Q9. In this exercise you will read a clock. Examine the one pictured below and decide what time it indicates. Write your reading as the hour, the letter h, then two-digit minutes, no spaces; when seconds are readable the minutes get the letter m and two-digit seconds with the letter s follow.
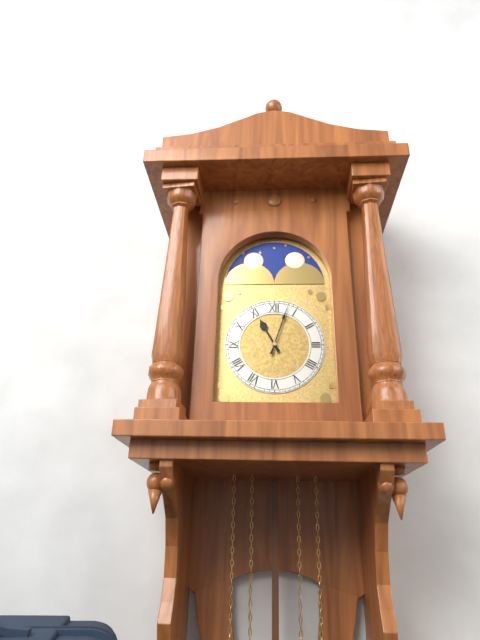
11h03
